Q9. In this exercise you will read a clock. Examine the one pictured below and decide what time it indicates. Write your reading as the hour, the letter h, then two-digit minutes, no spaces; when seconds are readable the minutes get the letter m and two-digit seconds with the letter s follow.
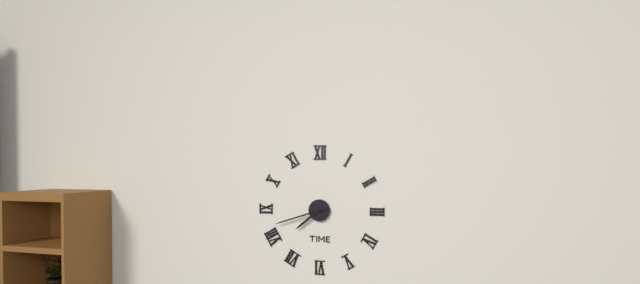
7h42
